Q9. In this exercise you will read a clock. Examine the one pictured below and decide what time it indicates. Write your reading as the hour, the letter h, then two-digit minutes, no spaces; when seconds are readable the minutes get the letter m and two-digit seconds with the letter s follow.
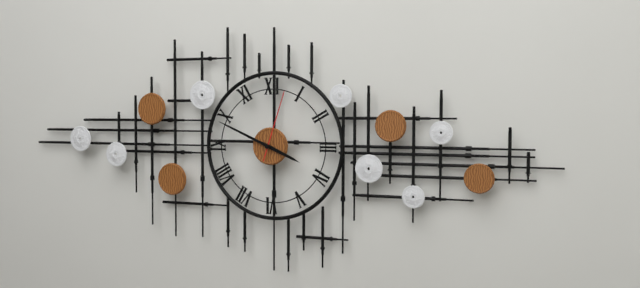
3h49m03s
